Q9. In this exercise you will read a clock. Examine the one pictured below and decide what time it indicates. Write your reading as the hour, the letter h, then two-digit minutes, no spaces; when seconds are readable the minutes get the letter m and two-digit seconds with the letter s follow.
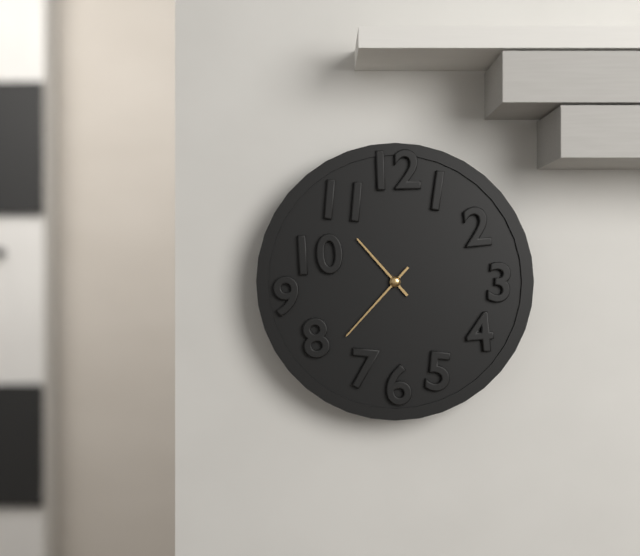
10h37
